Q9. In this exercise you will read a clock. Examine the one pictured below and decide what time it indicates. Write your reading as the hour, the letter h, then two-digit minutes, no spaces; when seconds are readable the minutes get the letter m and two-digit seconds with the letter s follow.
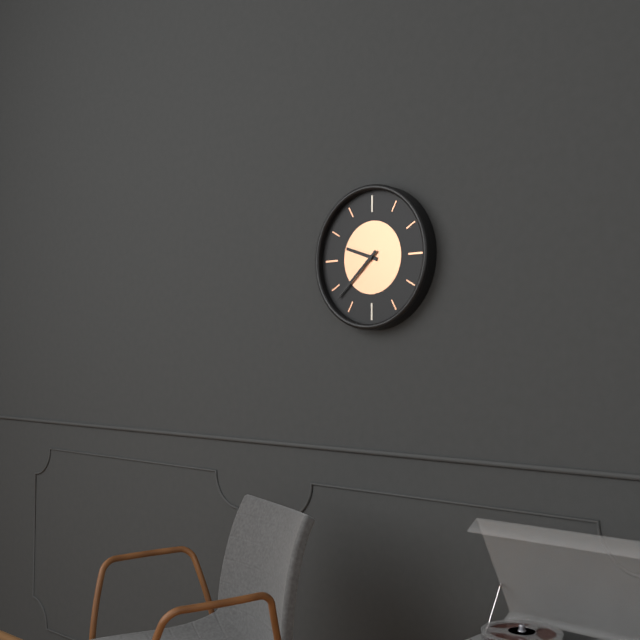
9h38
